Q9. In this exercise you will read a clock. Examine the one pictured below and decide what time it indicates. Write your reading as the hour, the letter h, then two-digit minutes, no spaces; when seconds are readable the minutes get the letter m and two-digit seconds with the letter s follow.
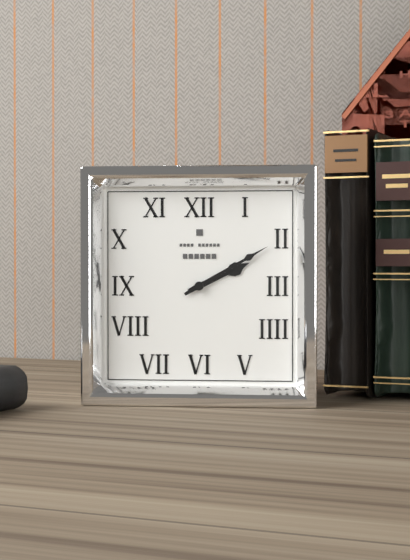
2h10
